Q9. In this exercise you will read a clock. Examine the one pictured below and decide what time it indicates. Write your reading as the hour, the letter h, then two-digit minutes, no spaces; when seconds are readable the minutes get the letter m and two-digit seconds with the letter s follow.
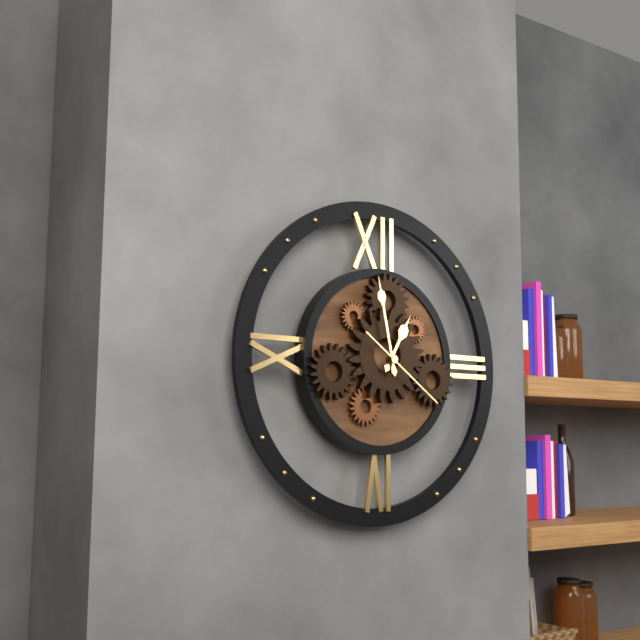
12h58m21s
